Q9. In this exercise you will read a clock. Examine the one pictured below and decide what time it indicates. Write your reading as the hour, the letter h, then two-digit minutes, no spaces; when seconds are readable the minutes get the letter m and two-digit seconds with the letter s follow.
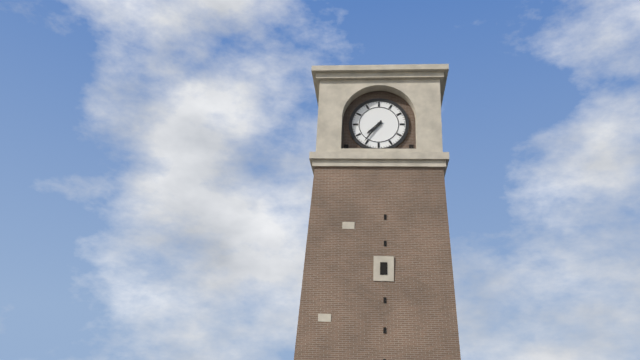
7h36
